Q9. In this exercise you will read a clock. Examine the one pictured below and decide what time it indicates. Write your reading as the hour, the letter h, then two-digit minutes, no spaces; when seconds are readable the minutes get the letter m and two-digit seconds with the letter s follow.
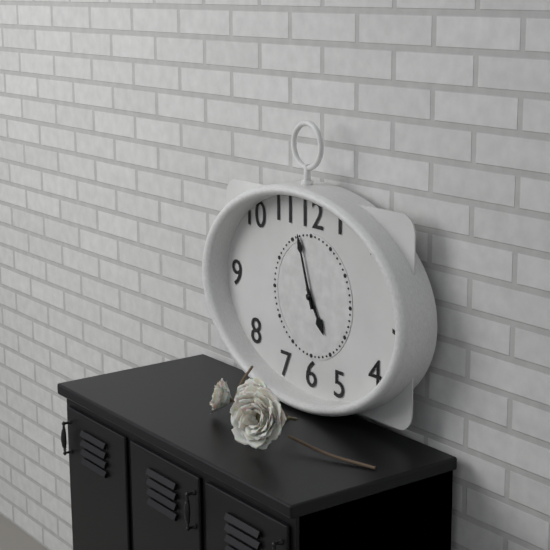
4h57
